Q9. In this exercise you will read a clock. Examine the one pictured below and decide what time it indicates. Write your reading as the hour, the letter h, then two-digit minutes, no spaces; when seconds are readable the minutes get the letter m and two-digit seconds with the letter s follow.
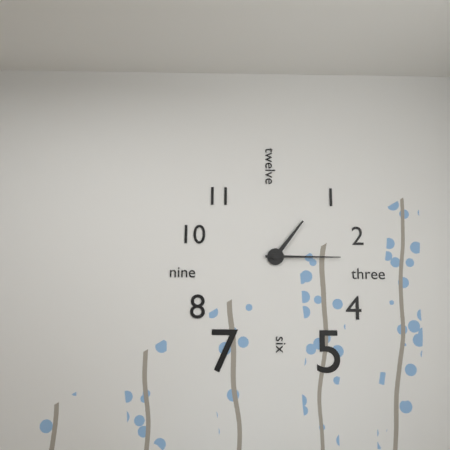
1h15
